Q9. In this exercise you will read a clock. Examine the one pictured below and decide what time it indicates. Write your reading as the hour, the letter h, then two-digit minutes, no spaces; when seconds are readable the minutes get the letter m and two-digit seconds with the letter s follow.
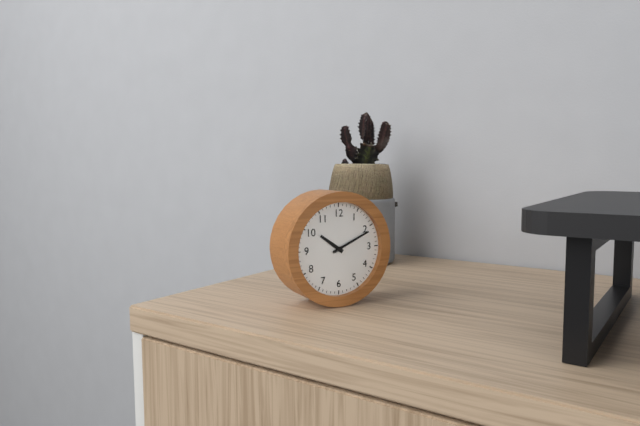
10h11
